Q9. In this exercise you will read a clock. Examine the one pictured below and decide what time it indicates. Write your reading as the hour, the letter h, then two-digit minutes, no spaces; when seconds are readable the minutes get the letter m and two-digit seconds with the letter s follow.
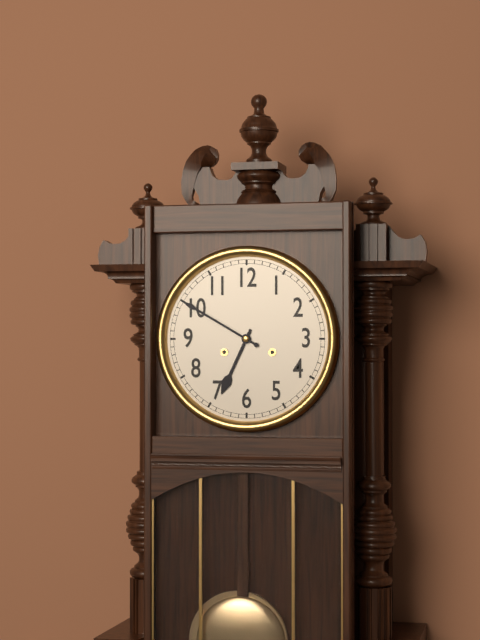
6h50
